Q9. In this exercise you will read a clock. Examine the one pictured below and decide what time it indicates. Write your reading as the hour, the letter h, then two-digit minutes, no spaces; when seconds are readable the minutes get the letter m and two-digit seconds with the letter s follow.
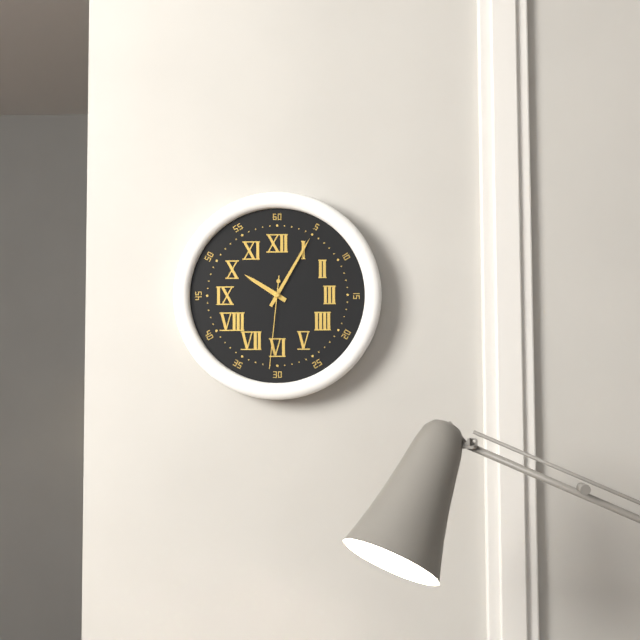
10h05m31s
